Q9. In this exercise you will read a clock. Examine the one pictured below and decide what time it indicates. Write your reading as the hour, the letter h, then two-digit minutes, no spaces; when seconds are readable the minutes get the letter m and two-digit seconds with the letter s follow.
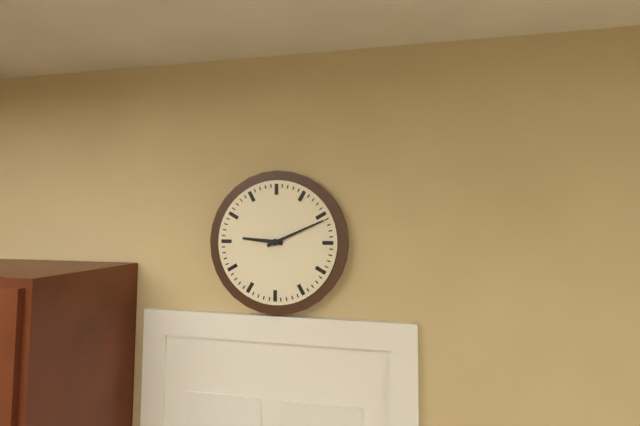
9h11
